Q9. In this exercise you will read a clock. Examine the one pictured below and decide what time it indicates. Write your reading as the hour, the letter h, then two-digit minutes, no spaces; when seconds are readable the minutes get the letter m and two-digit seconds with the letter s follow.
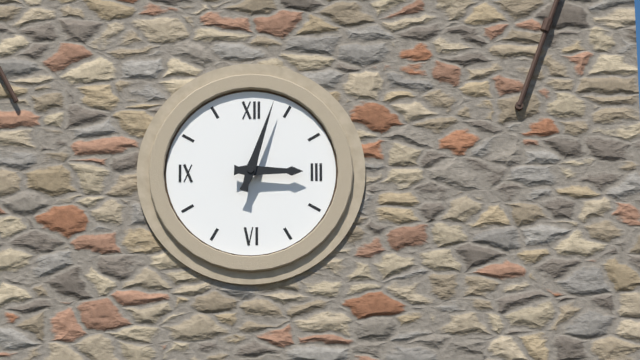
3h03
